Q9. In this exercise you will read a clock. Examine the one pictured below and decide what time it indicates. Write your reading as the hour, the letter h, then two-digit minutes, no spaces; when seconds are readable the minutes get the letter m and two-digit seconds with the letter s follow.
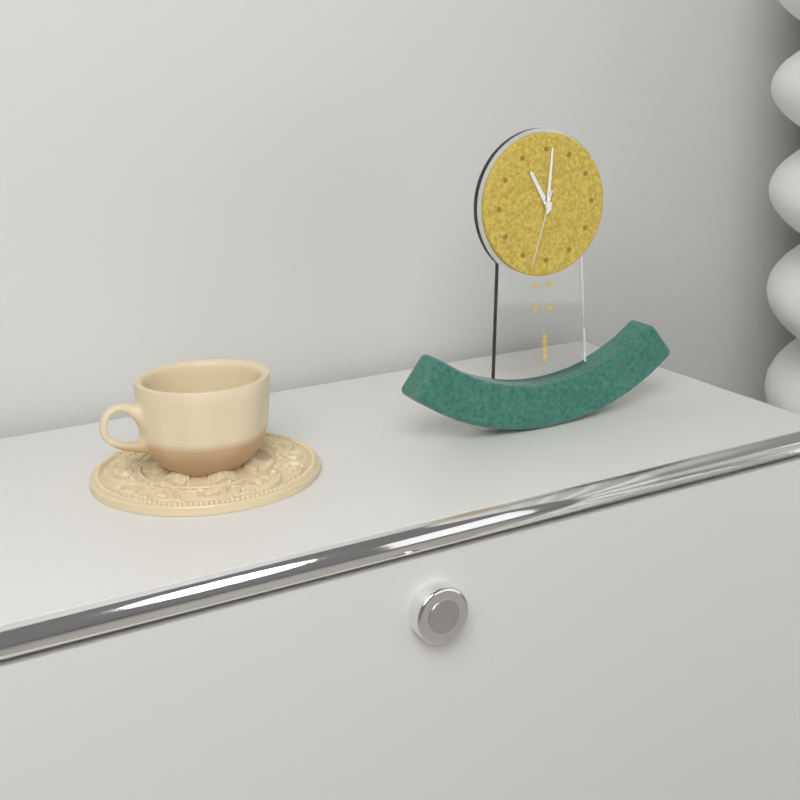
11h01m33s
